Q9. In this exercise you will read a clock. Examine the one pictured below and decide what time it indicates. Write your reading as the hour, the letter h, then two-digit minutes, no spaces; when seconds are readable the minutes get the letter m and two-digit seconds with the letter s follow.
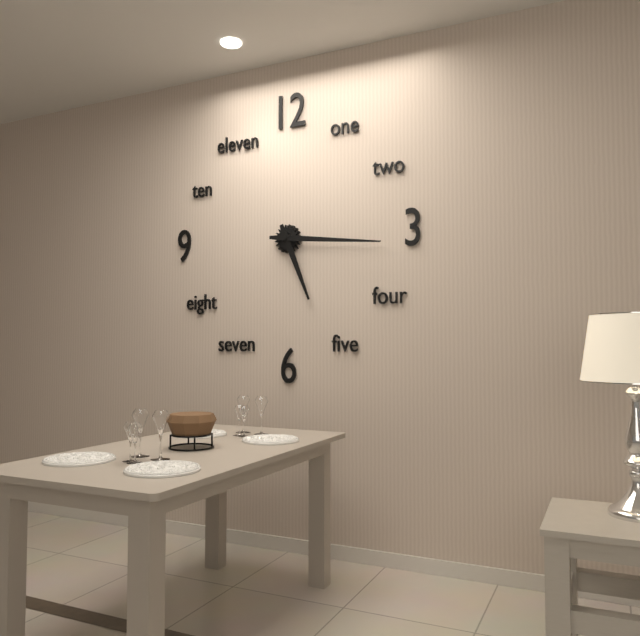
5h16
